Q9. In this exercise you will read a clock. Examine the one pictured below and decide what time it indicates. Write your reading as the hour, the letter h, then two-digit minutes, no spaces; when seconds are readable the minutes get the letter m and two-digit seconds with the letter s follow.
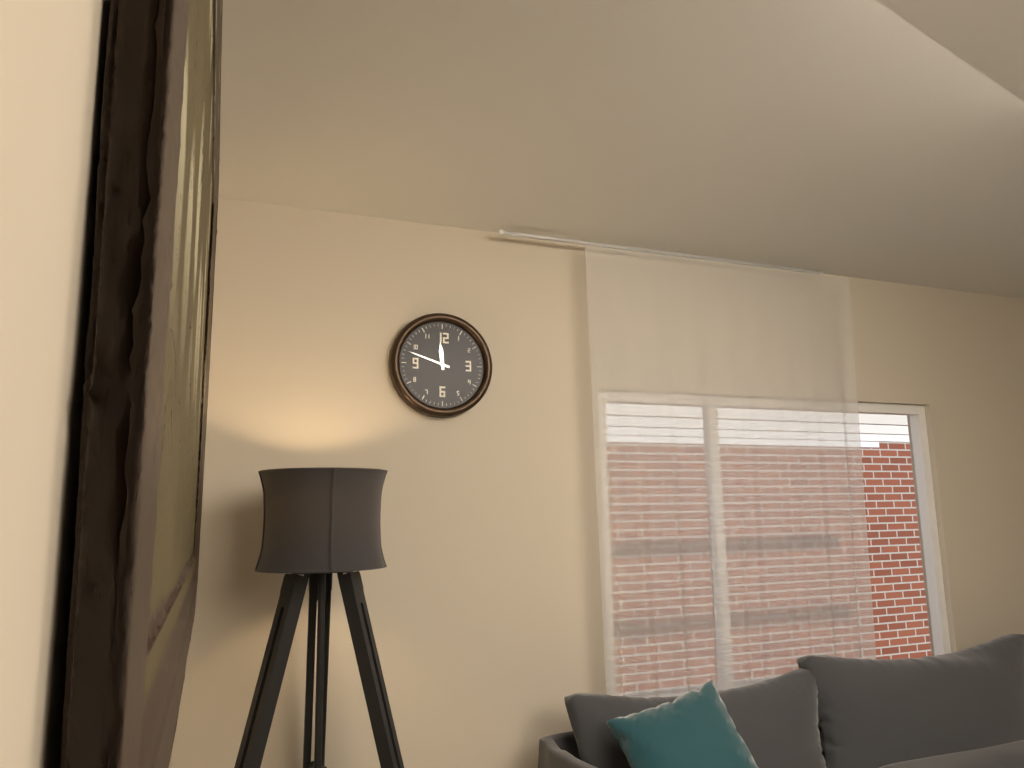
11h48
